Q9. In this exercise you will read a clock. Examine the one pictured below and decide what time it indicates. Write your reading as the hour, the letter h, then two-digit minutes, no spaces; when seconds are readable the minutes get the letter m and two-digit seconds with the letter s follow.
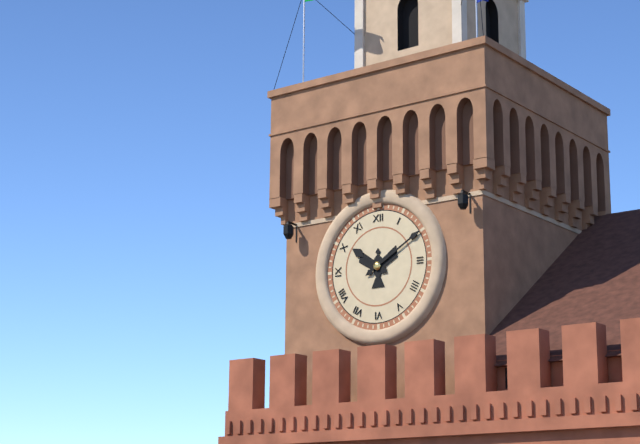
10h10
